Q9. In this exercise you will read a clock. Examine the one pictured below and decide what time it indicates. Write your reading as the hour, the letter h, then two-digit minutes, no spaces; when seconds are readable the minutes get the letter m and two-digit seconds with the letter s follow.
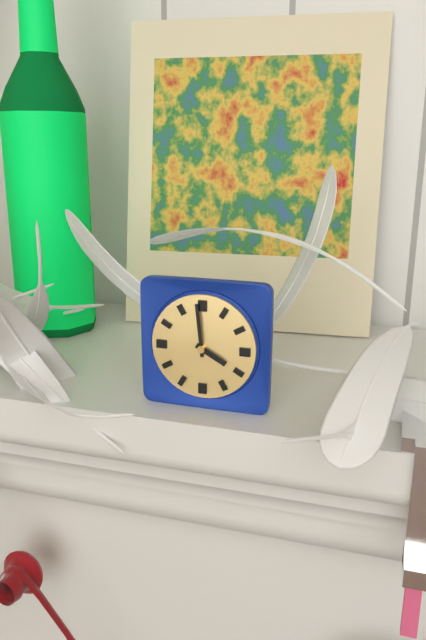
3h59
